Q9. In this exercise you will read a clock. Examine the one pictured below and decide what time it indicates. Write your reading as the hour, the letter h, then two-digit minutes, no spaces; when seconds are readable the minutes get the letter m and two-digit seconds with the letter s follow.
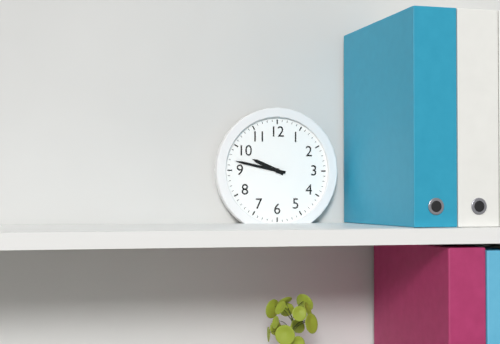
9h47
